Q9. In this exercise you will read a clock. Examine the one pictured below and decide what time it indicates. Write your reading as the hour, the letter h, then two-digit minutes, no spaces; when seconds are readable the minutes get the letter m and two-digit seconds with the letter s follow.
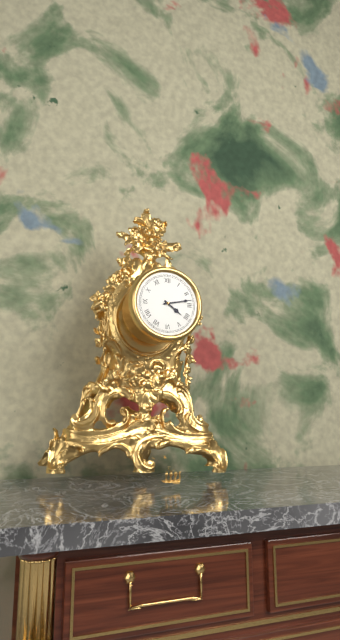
4h13
